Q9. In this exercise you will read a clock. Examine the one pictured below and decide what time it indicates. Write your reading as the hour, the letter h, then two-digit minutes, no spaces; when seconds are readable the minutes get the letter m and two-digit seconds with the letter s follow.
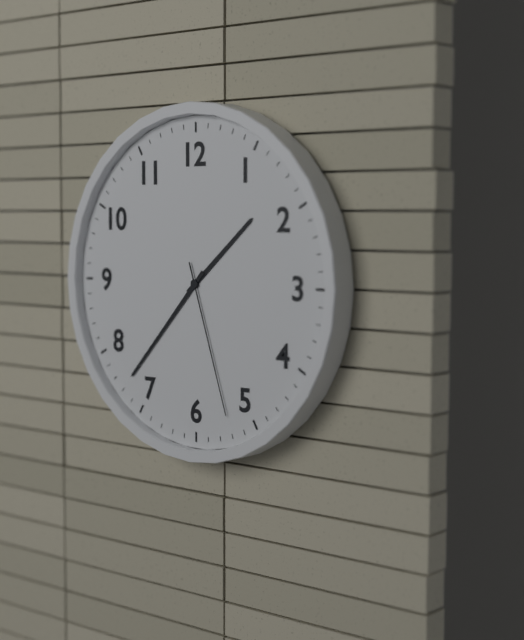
1h37m27s
